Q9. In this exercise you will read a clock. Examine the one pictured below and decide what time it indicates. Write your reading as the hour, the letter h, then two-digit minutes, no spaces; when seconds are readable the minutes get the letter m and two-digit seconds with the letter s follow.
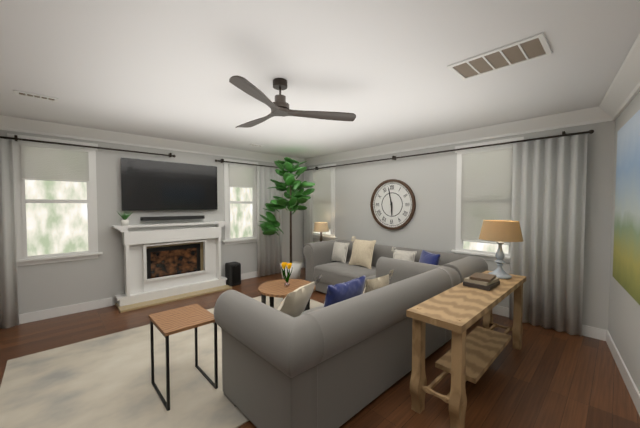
5h58
